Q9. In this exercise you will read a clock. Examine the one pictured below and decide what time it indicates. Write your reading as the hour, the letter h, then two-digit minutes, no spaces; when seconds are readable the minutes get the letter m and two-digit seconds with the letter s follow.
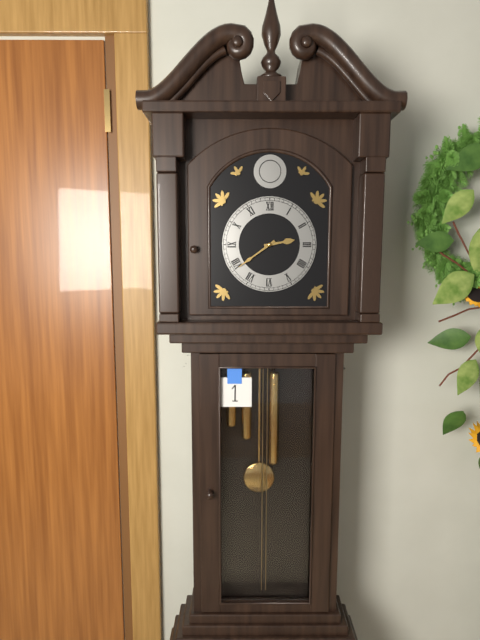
2h39
